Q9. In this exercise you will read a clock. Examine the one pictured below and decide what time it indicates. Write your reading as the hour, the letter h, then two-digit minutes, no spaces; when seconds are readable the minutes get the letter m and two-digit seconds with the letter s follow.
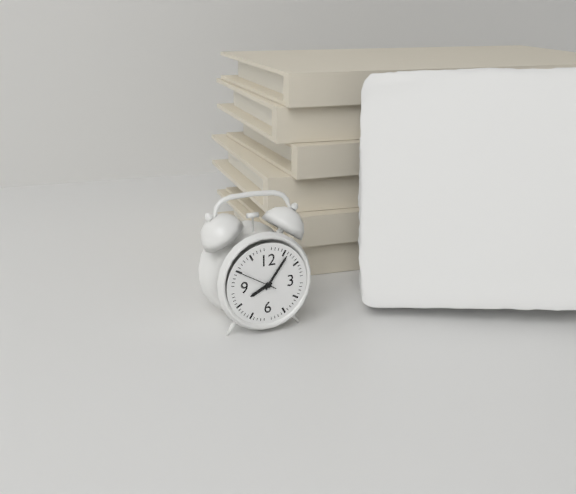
8h06
